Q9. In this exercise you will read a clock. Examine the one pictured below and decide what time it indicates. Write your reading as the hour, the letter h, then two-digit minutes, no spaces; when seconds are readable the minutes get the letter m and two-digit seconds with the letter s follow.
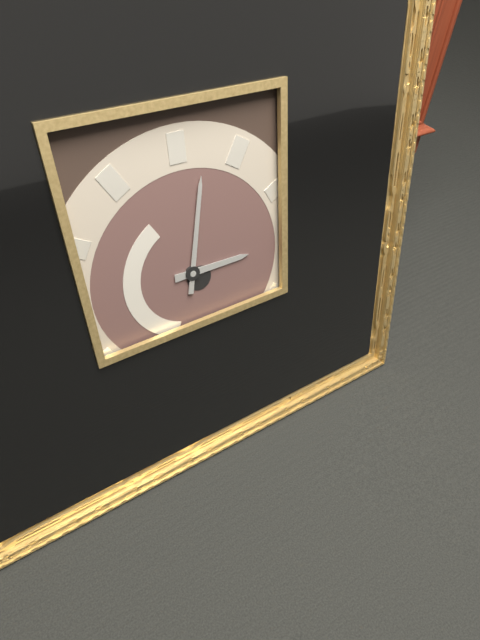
3h02
